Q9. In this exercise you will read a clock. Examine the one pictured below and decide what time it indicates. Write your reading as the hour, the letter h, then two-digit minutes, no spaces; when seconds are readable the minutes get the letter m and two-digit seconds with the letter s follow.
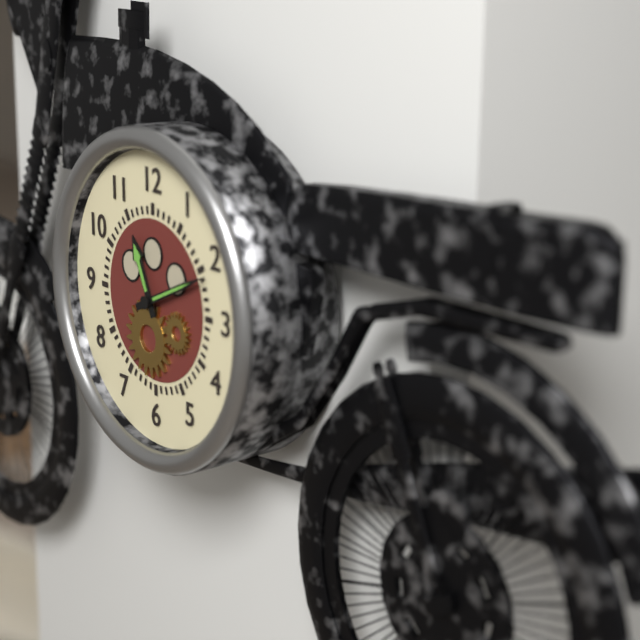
11h11
